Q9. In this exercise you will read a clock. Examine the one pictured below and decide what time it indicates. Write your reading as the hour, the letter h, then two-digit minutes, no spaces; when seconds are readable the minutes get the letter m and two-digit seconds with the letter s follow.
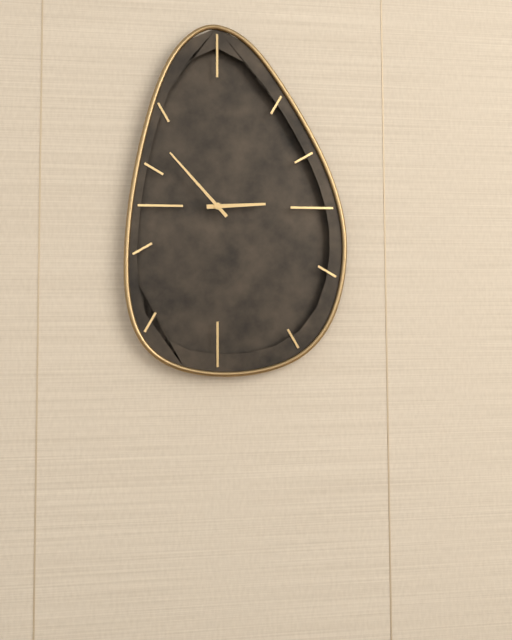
2h53
